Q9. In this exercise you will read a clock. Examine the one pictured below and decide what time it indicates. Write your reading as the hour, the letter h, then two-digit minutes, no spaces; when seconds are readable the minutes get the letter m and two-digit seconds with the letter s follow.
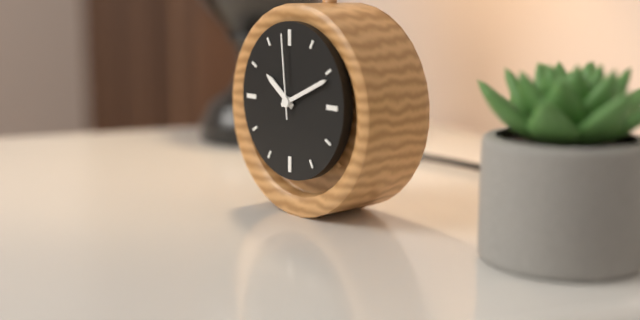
10h11m59s
